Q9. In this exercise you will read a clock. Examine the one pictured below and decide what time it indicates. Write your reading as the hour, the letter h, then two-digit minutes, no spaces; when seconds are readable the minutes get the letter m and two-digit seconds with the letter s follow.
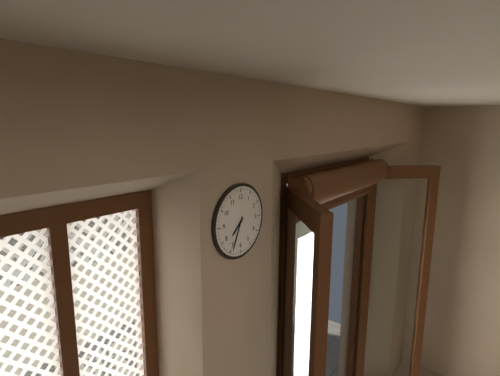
7h34
